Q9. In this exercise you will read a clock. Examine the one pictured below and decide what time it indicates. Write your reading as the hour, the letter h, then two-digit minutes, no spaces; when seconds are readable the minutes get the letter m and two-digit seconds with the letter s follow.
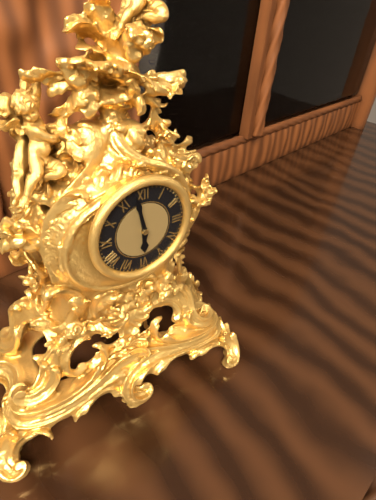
5h58
